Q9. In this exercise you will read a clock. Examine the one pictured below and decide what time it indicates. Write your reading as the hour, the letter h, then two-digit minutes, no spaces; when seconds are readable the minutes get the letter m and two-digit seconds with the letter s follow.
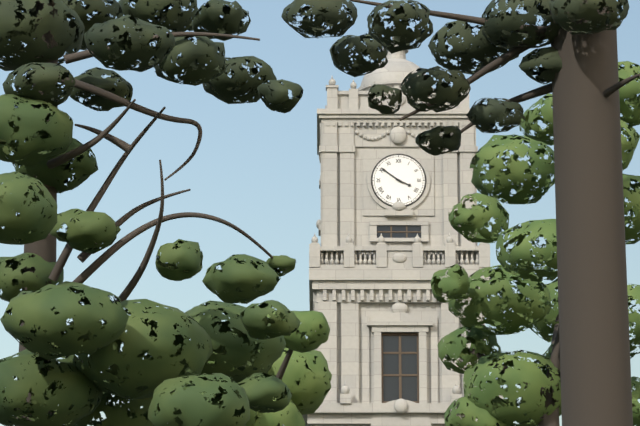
3h51
